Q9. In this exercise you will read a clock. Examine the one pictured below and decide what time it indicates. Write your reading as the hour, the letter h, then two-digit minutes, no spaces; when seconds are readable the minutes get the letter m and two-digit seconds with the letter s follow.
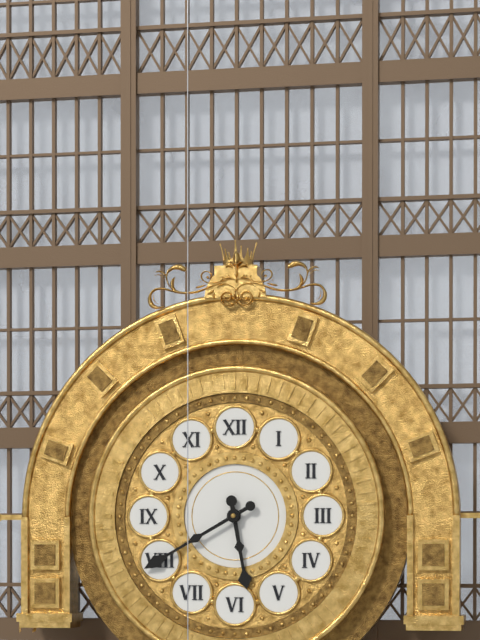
5h40
